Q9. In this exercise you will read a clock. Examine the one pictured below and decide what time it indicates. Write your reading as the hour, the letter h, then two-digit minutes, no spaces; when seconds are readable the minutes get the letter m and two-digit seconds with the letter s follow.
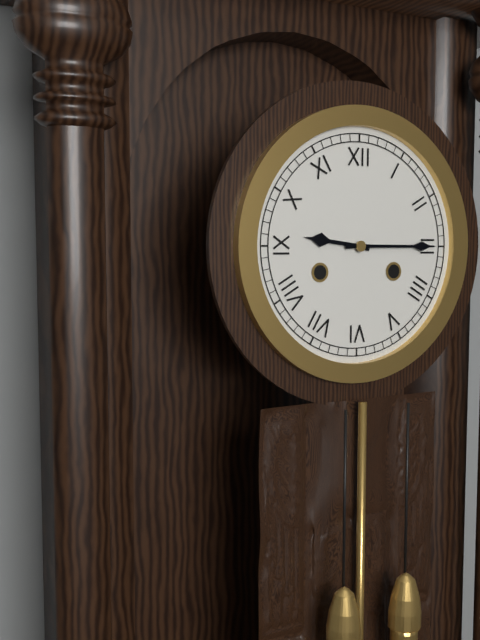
9h15
